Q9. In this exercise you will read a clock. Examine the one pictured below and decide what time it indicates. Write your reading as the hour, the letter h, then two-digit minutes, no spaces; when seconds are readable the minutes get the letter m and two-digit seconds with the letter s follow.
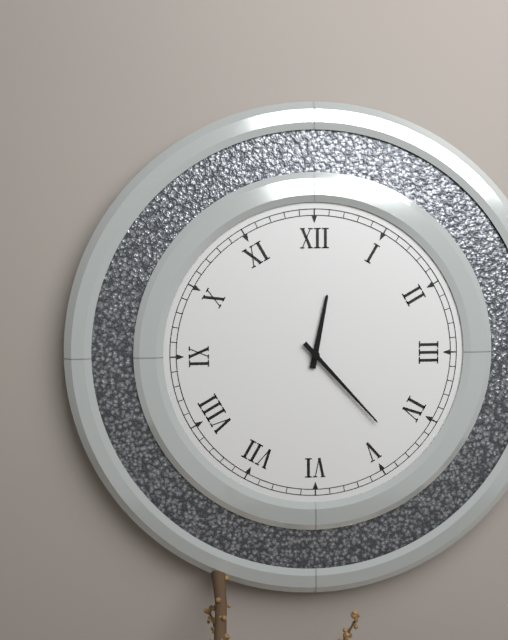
12h23
